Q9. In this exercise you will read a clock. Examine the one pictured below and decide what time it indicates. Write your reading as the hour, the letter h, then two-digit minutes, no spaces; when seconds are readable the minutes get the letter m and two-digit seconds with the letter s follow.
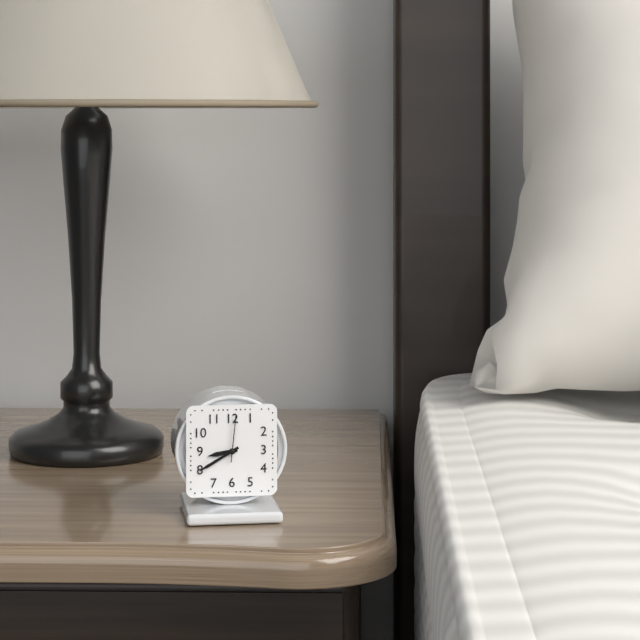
8h40
